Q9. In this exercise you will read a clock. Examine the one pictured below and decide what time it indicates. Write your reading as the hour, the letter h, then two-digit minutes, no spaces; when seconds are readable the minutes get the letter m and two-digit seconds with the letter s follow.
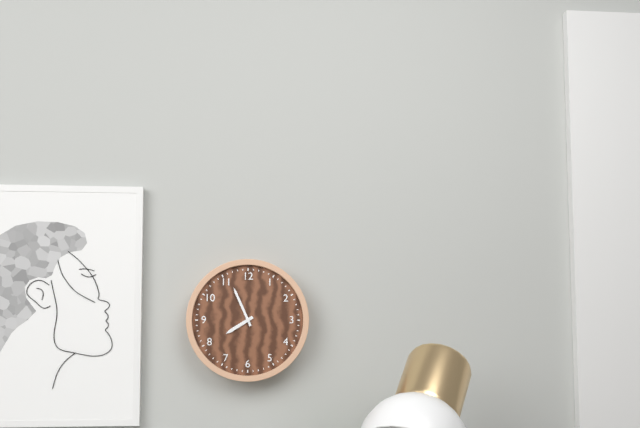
7h56
